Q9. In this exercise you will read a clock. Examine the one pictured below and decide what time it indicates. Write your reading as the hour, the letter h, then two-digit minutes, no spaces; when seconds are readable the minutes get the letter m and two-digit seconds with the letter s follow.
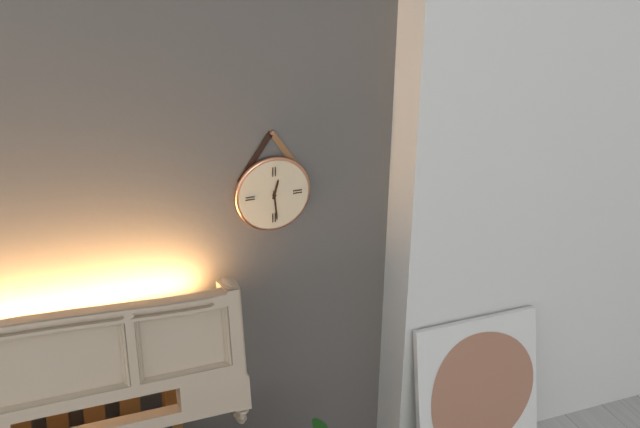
12h29
